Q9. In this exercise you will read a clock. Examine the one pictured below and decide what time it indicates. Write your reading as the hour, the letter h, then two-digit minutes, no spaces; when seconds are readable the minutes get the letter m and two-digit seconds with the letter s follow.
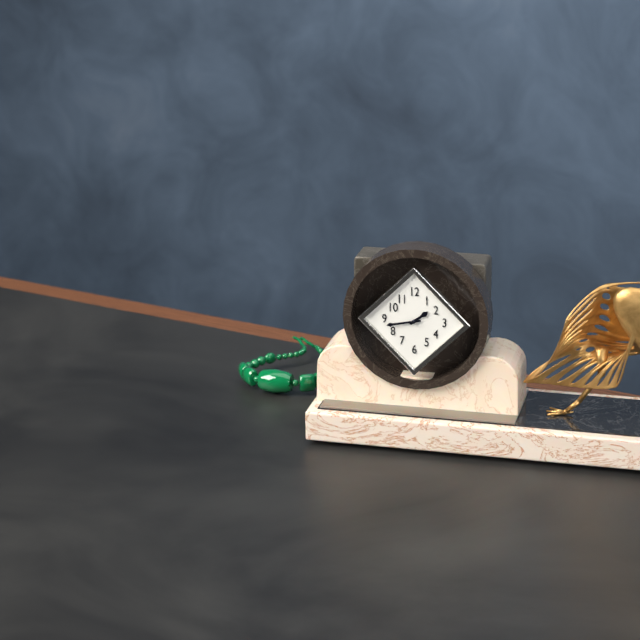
1h43
